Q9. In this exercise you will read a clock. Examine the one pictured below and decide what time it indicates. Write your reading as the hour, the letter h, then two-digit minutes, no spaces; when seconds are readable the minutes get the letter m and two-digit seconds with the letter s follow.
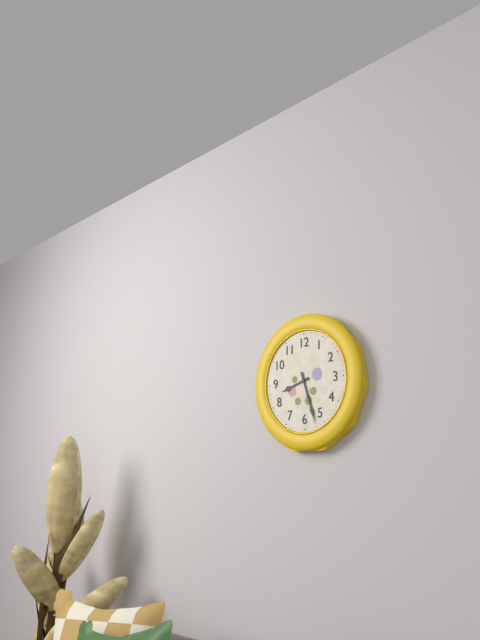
8h27
